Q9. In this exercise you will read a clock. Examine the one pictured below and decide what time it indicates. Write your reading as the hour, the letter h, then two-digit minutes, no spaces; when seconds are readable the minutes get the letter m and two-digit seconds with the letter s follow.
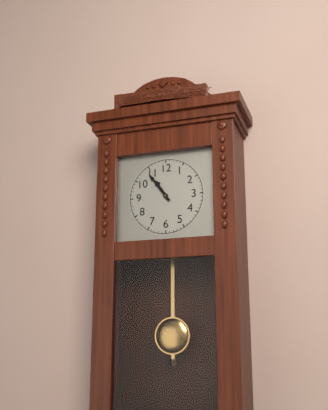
10h54
